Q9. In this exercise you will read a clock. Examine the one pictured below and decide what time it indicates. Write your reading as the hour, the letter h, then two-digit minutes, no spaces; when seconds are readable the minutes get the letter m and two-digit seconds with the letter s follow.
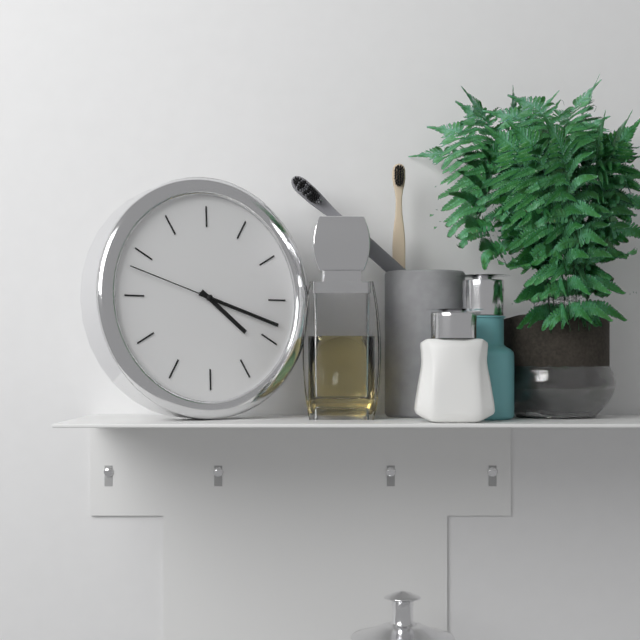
4h18m48s
